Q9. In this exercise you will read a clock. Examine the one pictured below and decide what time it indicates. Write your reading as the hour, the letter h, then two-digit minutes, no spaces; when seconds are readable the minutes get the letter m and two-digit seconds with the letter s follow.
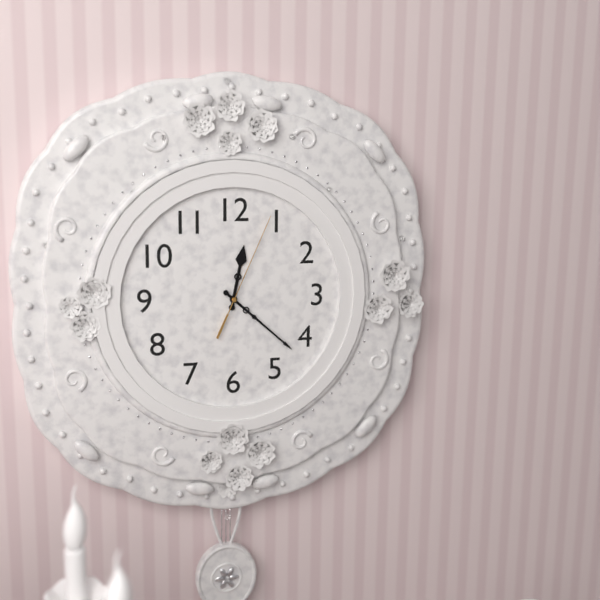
12h22m04s
